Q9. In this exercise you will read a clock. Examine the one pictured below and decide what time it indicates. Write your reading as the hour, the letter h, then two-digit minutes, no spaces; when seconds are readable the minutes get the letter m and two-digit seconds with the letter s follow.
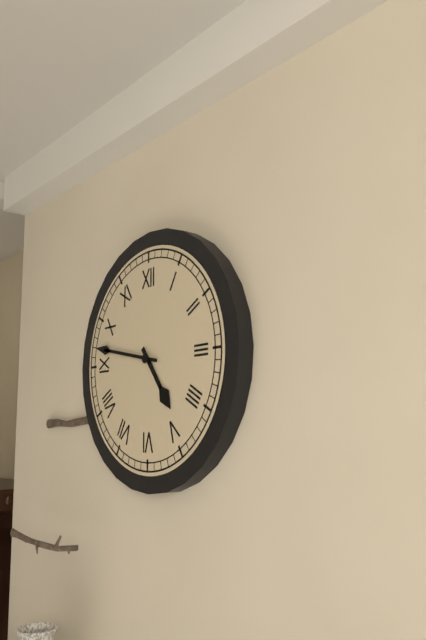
4h47
